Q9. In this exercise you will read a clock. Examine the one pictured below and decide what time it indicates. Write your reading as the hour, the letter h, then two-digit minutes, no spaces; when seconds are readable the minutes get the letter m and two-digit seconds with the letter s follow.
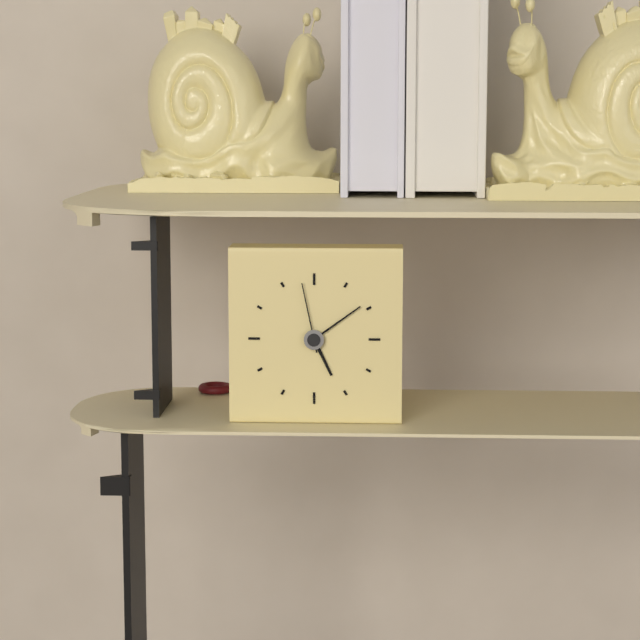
5h09m58s
